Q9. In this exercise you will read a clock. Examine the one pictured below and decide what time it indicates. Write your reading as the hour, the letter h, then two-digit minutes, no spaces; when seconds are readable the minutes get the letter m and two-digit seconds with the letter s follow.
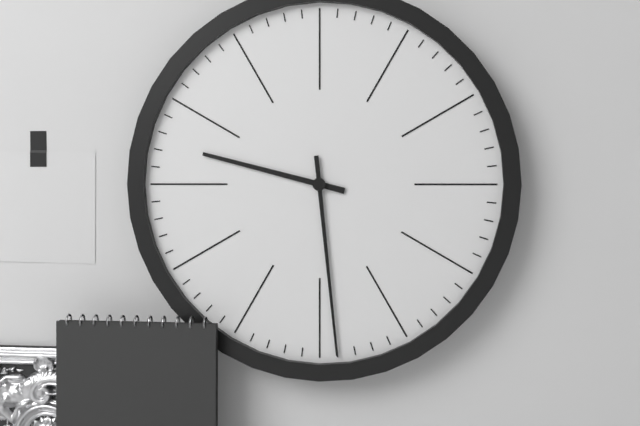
9h29
